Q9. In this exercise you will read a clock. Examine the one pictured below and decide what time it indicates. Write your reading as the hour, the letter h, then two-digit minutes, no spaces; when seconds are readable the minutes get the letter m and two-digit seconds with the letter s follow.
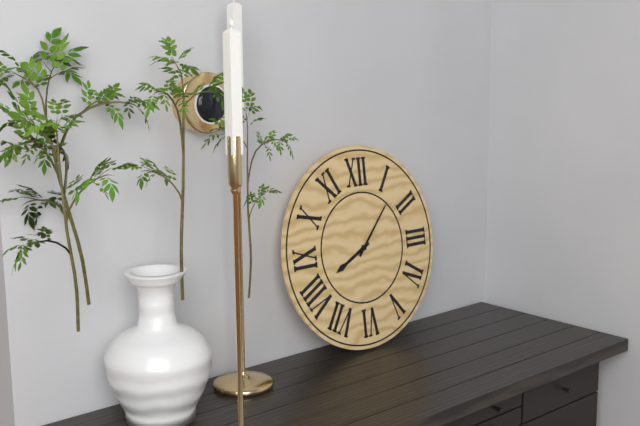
8h07
